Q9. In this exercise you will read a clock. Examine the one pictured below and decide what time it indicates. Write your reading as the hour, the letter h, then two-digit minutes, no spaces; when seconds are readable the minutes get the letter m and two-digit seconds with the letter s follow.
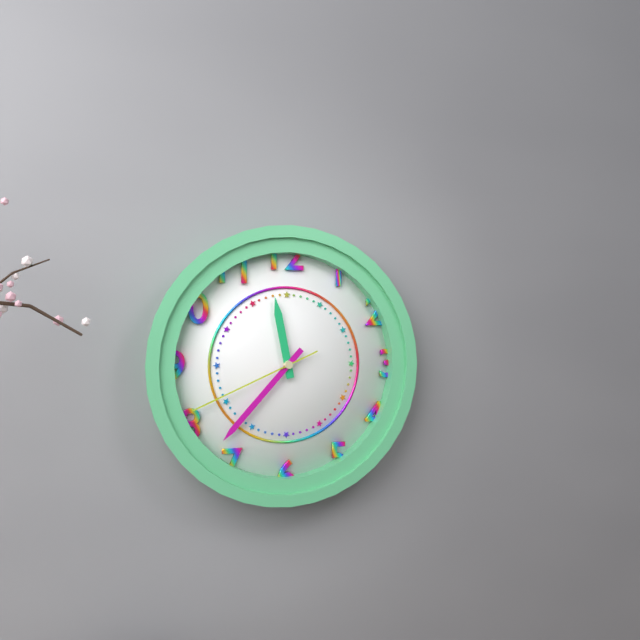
11h37m41s
